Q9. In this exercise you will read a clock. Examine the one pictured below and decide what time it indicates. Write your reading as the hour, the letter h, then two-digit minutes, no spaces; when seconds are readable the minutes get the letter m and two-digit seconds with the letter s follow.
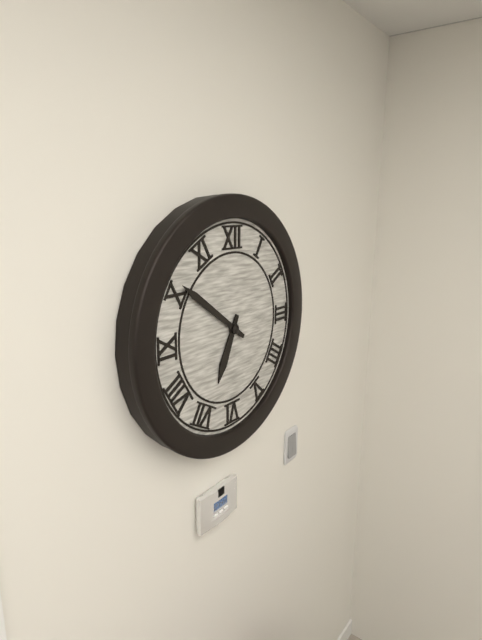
6h51
